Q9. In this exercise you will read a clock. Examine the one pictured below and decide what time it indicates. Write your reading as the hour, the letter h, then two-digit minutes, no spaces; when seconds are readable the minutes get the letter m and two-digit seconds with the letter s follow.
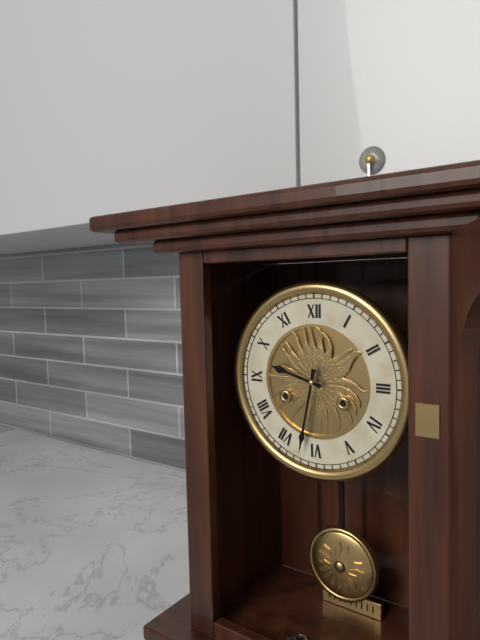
9h32
